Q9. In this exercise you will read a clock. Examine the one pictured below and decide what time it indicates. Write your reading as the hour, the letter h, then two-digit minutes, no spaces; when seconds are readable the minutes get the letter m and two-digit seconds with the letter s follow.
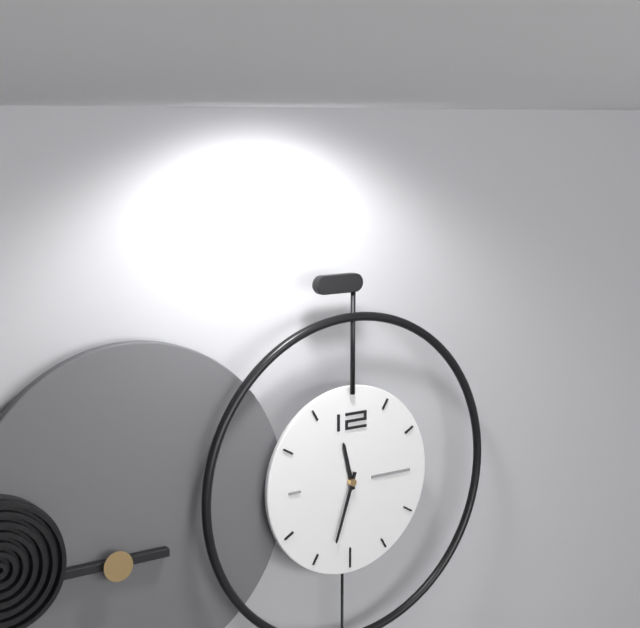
11h33
